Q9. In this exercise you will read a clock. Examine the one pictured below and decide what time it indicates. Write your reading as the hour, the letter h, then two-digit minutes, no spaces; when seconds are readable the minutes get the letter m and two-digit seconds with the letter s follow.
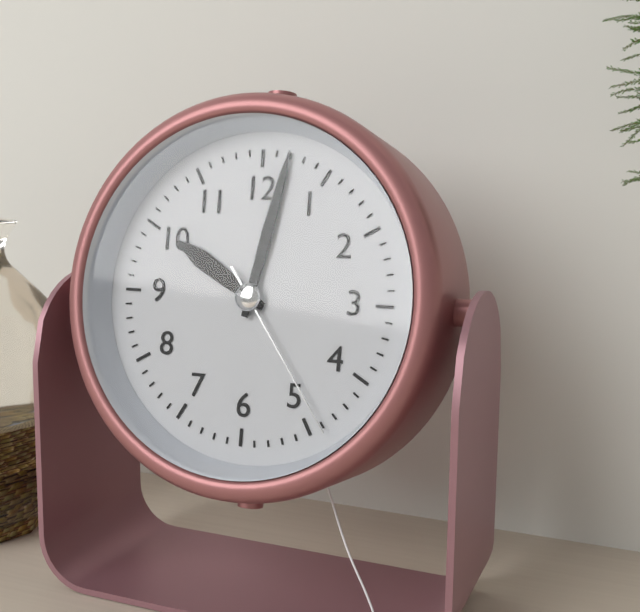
10h02m24s
